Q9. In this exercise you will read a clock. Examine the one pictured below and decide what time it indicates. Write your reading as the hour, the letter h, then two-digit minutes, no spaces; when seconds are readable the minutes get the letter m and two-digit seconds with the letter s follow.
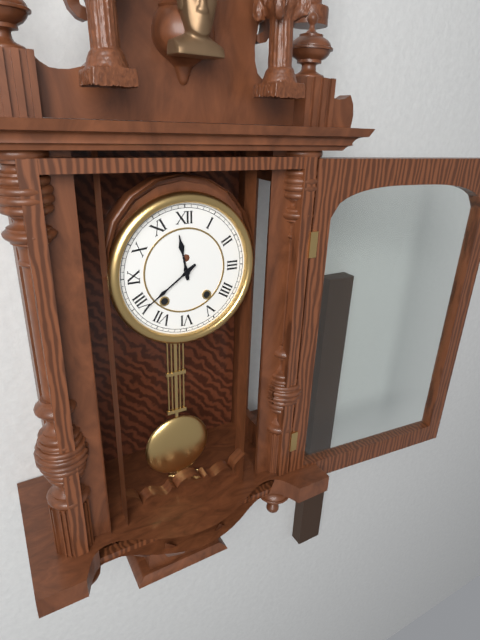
11h39
